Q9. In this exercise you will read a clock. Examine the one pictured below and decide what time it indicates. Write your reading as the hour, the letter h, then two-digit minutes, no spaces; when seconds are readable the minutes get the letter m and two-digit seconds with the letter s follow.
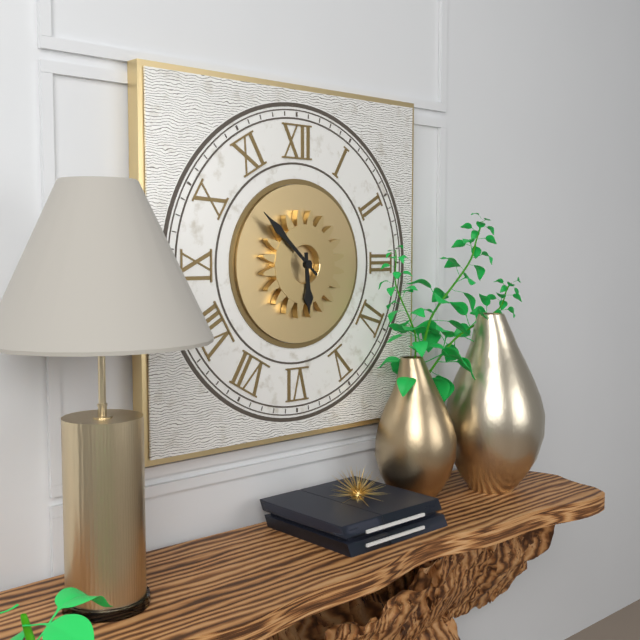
5h52
